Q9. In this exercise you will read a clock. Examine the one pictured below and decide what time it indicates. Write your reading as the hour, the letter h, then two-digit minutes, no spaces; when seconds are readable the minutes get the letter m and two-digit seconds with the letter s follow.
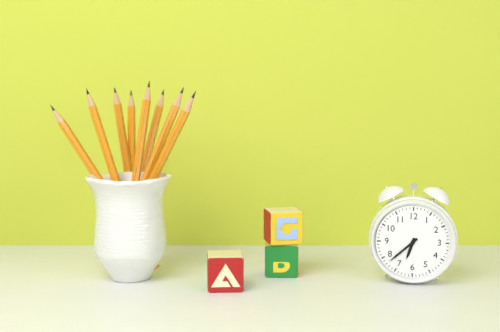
6h38
